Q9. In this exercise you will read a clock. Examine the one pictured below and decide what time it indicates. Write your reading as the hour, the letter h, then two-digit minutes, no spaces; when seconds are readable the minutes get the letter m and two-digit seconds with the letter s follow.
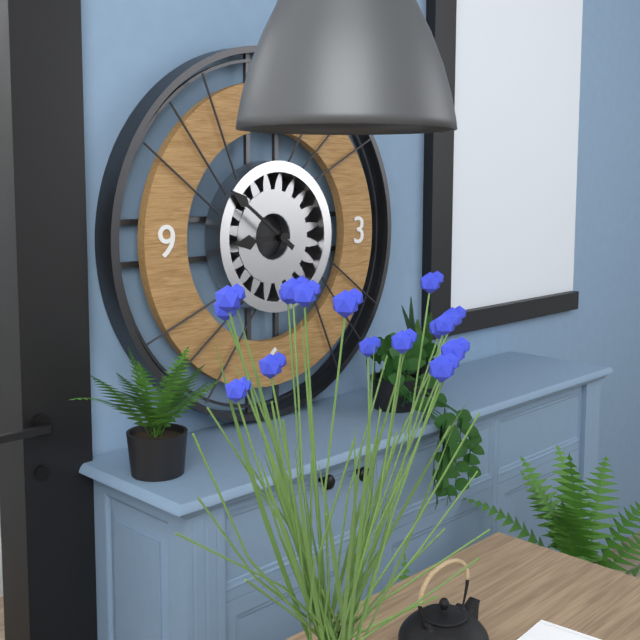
8h51
